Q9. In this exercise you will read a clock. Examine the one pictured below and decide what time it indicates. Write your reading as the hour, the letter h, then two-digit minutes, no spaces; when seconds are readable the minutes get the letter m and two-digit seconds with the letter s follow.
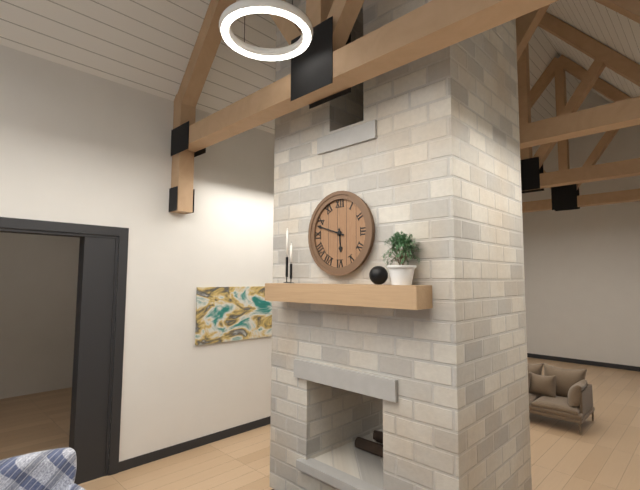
5h48
